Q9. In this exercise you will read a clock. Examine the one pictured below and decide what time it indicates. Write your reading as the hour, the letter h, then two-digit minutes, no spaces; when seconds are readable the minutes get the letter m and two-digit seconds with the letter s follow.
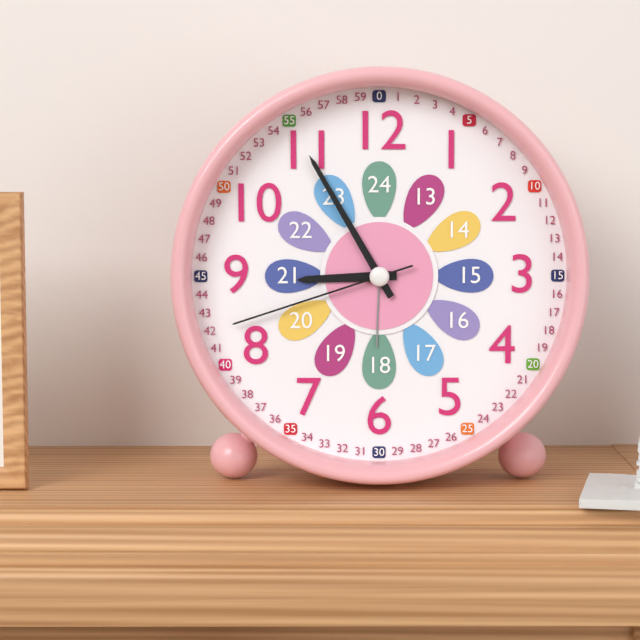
8h55m42s
